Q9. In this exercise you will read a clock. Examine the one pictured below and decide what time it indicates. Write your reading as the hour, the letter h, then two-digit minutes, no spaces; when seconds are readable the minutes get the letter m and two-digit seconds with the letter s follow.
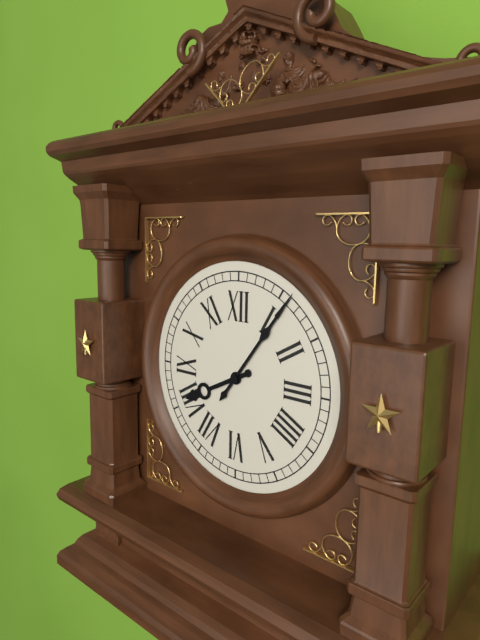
8h06
